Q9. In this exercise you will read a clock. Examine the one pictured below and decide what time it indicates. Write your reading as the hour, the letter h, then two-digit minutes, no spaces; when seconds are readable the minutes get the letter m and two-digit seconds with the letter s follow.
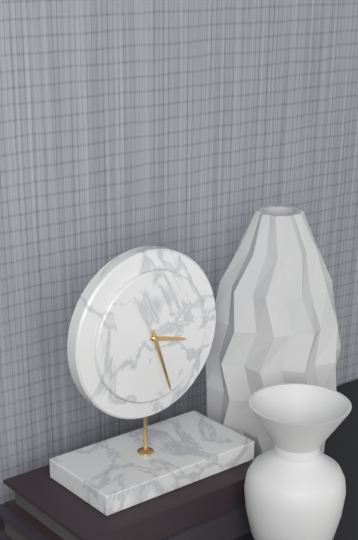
3h27
